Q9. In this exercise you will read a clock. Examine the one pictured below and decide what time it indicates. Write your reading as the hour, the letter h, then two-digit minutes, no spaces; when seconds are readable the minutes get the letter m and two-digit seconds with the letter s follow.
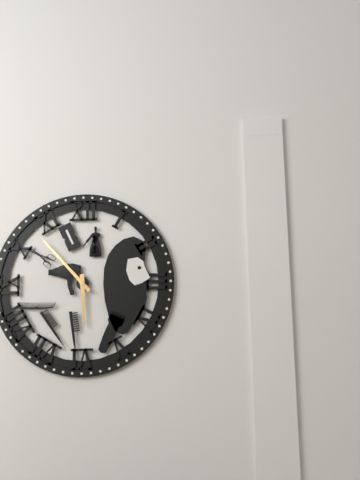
5h53
